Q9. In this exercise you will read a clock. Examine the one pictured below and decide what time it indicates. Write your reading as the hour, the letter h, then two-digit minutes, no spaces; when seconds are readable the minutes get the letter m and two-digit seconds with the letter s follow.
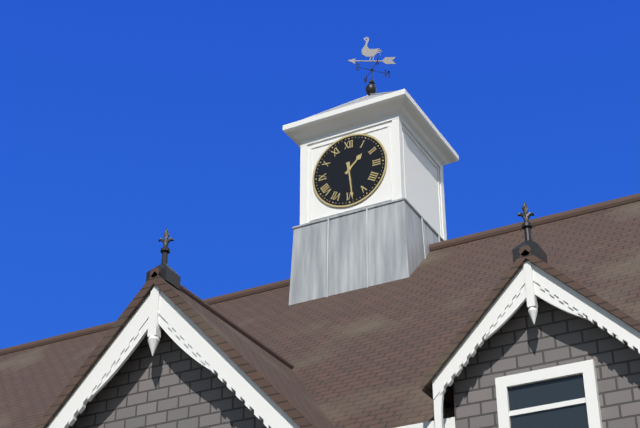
1h29
